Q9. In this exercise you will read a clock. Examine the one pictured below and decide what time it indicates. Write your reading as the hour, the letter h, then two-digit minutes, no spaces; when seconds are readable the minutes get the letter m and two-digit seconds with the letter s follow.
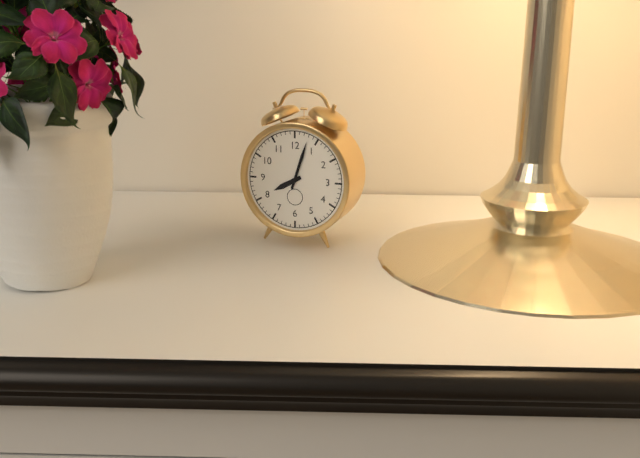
8h03
